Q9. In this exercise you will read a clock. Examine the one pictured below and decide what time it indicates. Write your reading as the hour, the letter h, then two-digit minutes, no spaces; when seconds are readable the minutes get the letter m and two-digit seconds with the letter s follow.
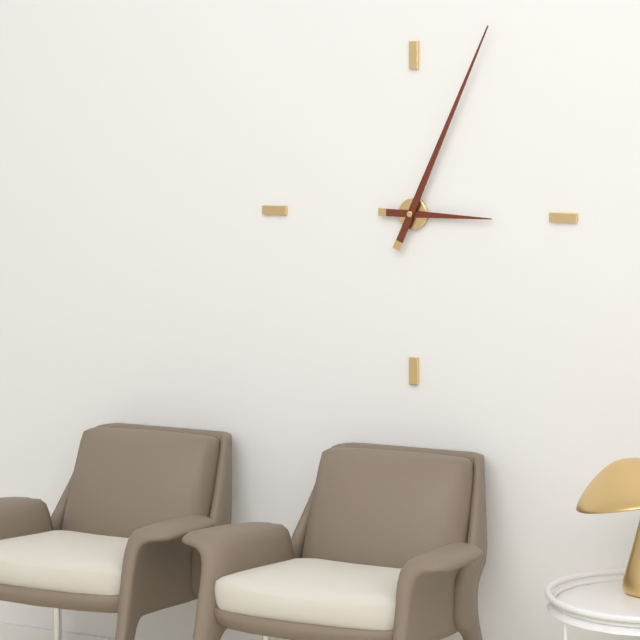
3h04
